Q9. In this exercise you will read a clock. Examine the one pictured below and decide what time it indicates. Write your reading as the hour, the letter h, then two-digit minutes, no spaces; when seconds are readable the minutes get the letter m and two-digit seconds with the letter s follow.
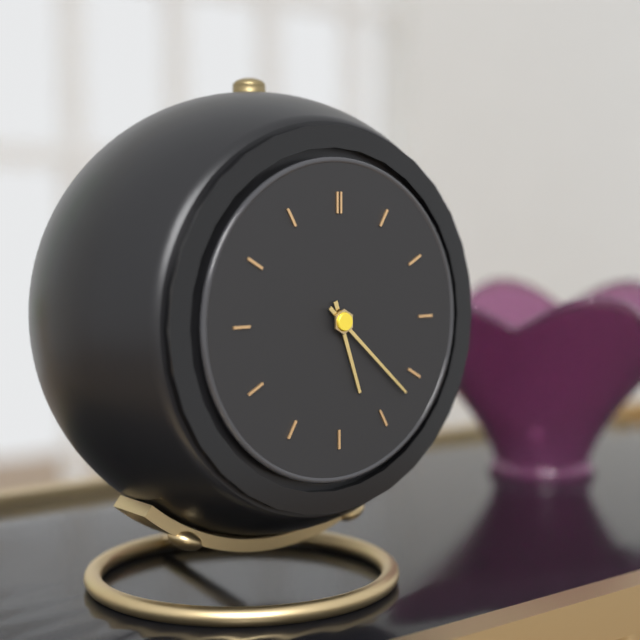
5h22
